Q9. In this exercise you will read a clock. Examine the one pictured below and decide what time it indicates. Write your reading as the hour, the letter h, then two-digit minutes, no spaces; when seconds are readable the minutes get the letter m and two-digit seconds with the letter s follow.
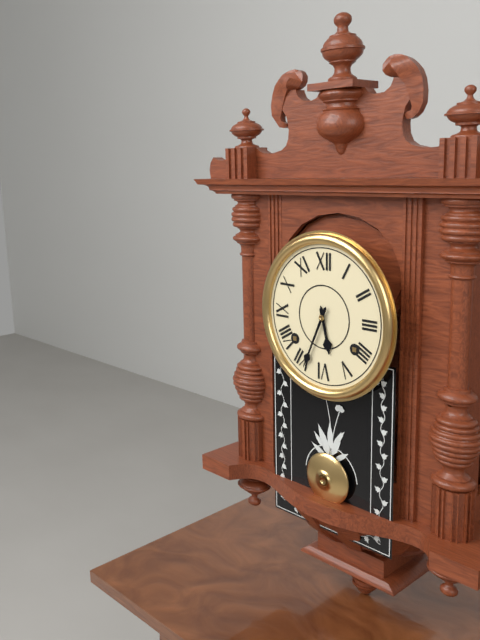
5h34
